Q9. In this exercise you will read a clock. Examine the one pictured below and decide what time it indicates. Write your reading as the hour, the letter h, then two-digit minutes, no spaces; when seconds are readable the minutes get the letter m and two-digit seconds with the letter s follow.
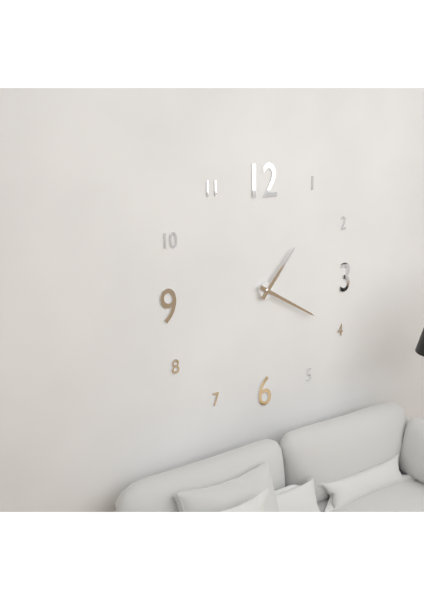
1h20
